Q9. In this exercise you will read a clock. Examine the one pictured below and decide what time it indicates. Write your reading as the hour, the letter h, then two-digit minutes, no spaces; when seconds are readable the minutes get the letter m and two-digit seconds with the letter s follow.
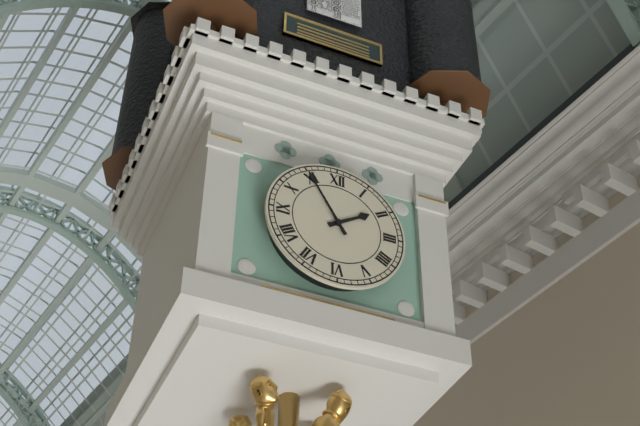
1h55
